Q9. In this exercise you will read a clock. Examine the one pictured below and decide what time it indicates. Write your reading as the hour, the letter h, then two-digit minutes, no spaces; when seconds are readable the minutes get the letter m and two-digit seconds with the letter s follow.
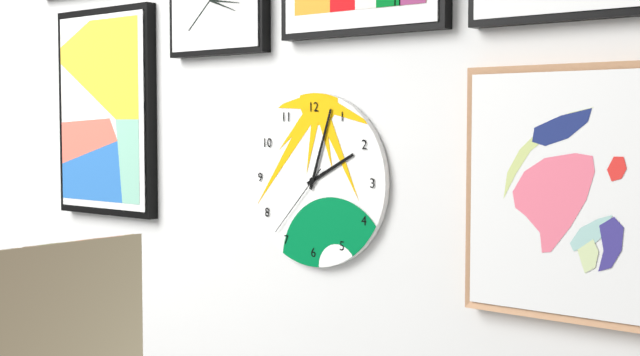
2h03m37s
